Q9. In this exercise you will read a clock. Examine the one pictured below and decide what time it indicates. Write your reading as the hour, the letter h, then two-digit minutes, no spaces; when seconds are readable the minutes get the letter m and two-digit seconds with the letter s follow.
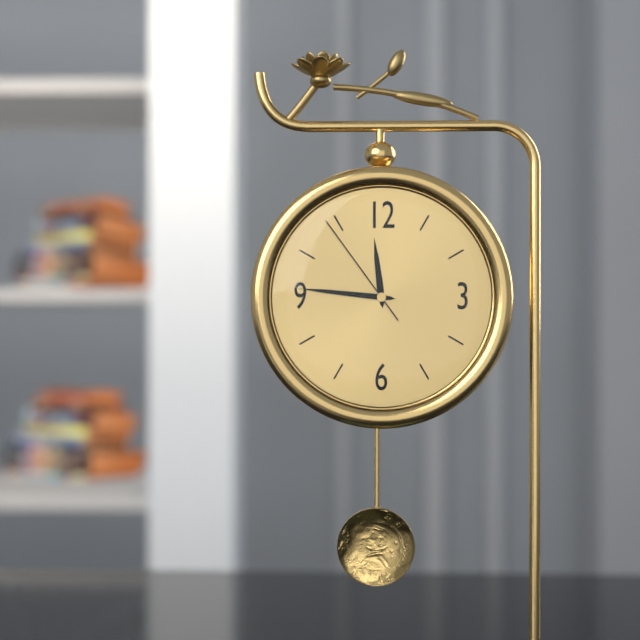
11h46m54s
